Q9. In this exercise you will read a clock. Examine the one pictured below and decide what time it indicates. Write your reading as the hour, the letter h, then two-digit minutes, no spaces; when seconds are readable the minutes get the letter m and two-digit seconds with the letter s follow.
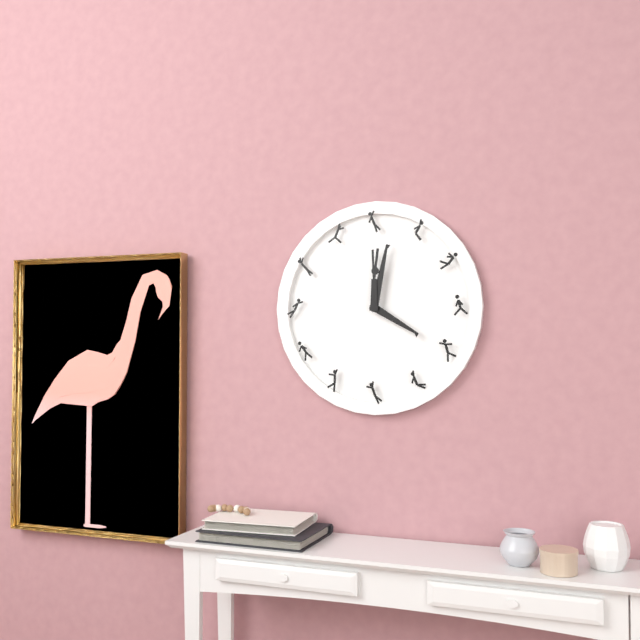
4h02
